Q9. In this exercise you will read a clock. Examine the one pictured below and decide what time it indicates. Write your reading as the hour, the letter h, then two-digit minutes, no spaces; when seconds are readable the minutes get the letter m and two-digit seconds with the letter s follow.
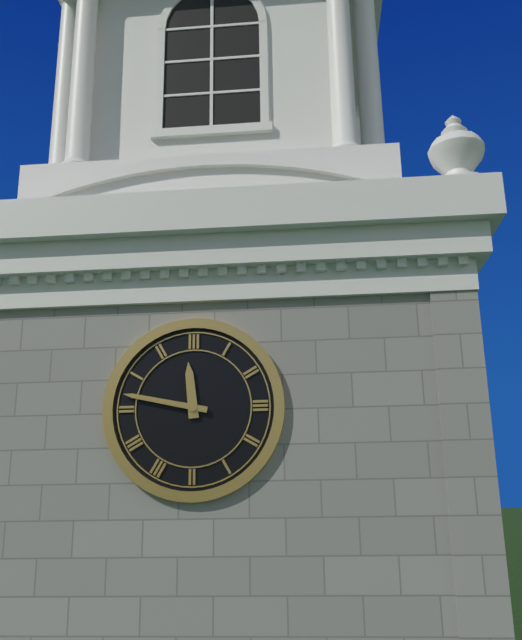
11h47
